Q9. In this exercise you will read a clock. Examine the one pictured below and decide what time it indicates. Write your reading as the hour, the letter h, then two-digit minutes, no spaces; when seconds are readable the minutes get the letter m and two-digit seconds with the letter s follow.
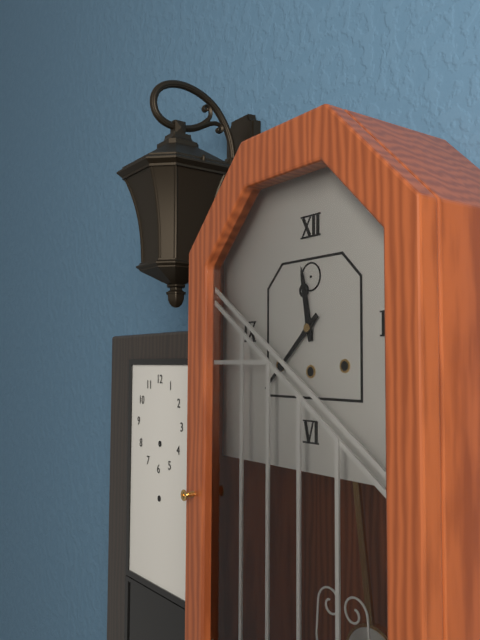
11h38
